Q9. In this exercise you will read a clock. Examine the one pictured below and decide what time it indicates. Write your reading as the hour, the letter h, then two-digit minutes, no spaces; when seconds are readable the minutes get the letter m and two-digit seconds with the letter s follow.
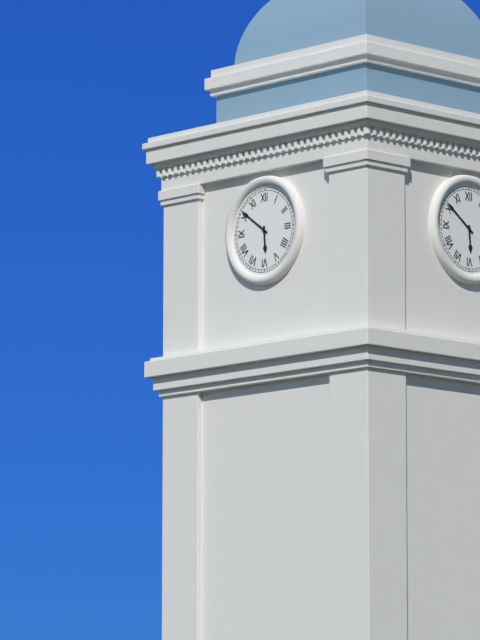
5h51
